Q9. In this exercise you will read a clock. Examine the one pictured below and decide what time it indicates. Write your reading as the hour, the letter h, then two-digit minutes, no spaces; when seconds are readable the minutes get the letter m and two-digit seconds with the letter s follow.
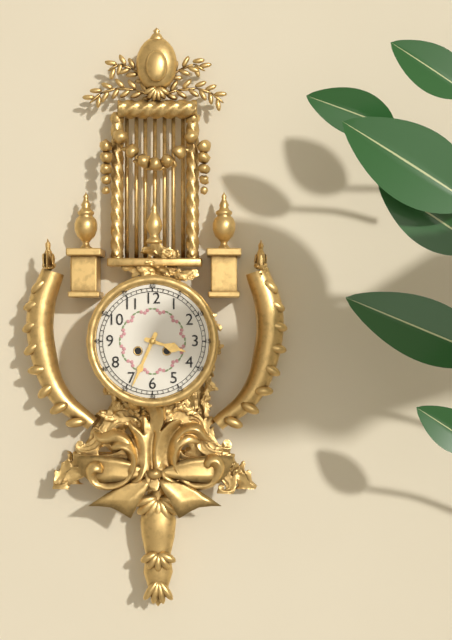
3h34
